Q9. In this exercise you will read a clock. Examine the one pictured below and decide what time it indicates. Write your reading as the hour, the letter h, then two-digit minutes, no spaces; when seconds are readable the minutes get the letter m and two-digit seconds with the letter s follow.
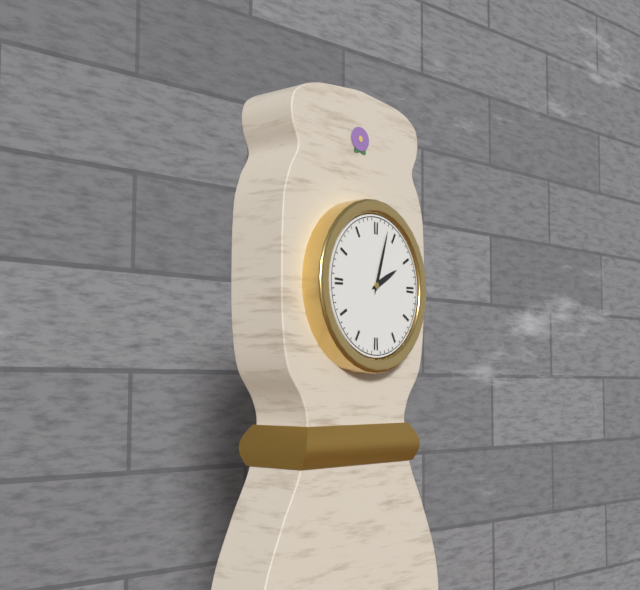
2h03
